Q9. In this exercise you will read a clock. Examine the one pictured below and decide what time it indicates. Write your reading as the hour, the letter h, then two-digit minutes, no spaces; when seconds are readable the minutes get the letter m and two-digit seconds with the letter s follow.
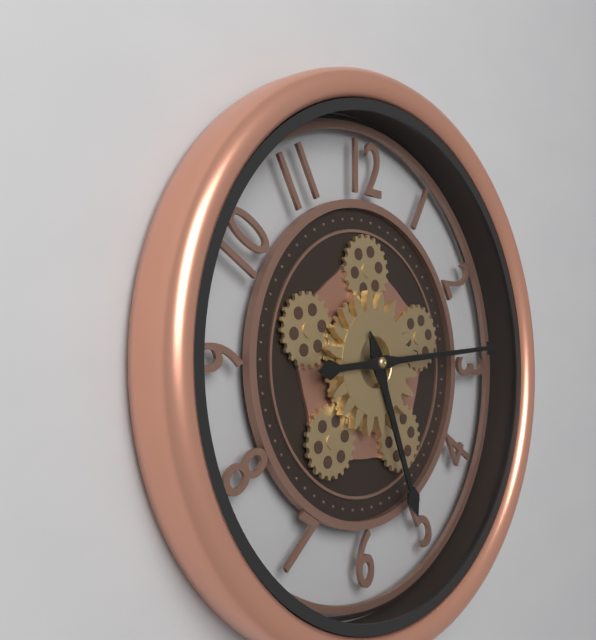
5h14
